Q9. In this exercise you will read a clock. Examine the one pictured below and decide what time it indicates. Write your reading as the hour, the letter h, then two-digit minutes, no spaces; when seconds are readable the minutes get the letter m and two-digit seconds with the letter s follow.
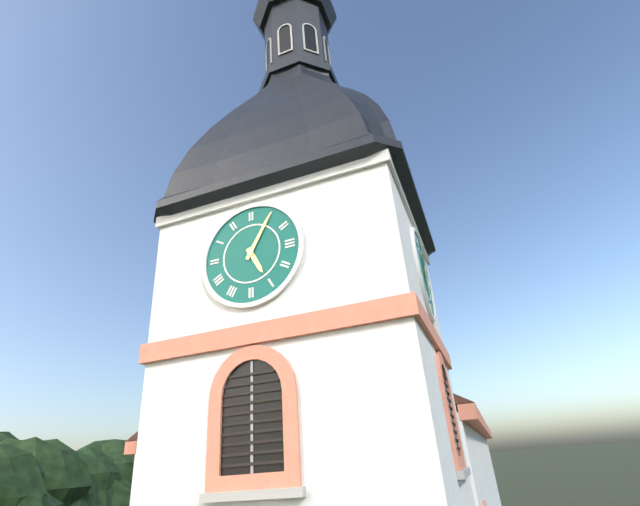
5h05
